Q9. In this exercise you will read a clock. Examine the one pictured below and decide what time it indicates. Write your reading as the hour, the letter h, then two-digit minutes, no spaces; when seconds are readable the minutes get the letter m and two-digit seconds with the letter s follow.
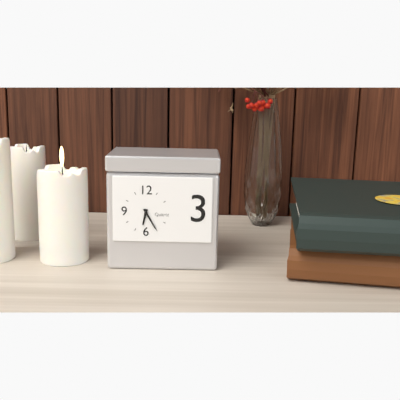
6h25
